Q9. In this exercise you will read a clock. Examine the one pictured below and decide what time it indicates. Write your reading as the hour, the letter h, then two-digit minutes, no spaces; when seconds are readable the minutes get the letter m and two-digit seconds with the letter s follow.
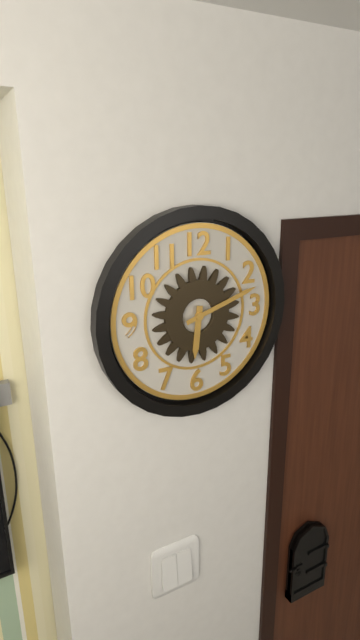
6h12
